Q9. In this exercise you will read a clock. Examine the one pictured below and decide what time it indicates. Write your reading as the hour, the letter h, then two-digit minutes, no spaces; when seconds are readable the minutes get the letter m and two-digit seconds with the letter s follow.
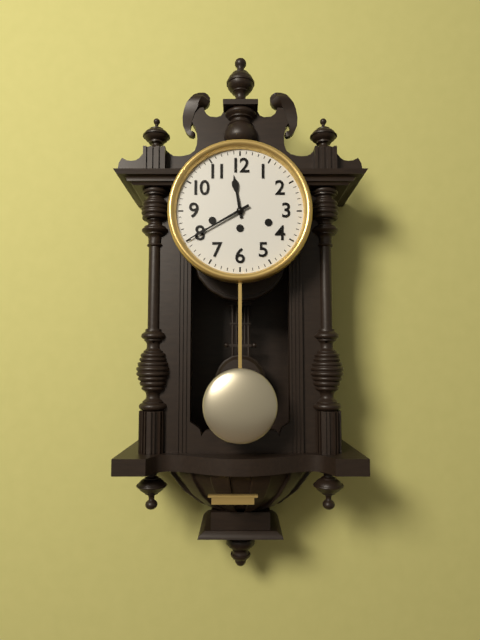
11h40
